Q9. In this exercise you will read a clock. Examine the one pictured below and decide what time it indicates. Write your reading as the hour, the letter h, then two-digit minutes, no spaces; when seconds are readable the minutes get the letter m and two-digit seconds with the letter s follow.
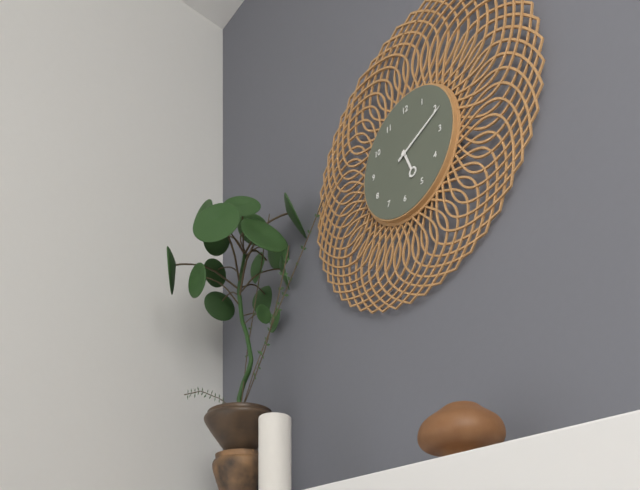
5h11
